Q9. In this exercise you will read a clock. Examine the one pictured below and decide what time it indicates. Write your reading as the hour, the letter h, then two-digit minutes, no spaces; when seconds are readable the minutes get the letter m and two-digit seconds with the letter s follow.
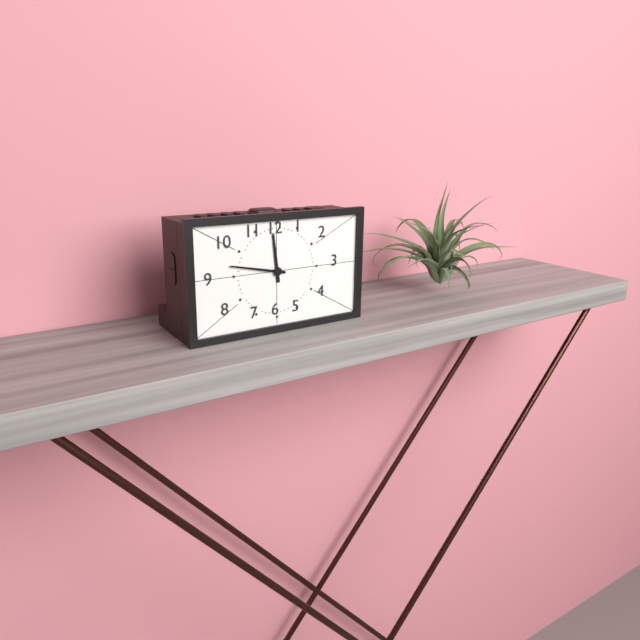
11h47
